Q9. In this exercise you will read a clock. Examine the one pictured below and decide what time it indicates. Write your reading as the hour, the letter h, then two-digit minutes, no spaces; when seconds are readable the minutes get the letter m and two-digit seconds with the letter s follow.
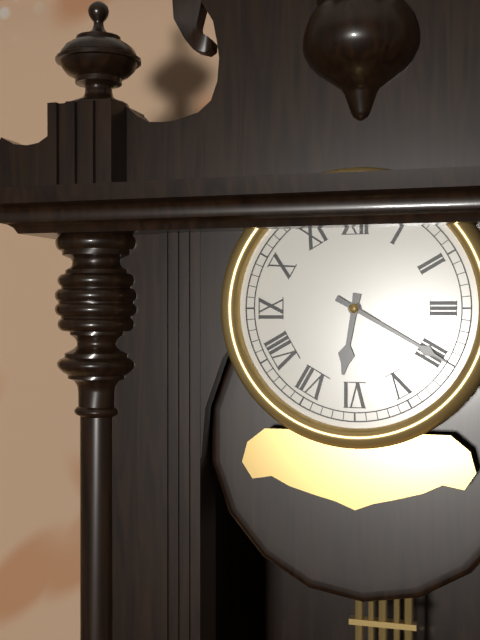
6h20
